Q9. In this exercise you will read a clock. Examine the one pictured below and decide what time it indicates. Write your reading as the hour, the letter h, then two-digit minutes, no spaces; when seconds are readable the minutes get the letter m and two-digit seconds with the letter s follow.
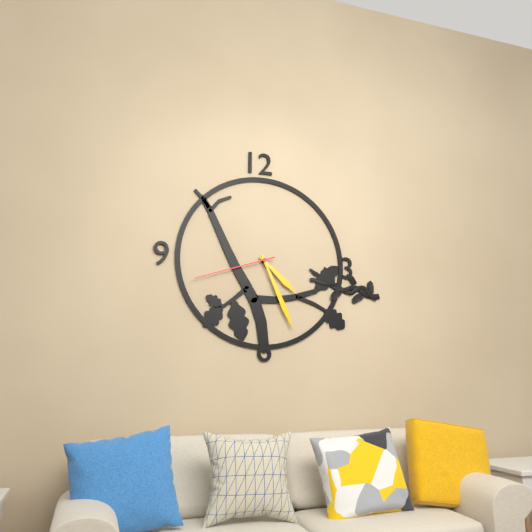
4h26m42s
